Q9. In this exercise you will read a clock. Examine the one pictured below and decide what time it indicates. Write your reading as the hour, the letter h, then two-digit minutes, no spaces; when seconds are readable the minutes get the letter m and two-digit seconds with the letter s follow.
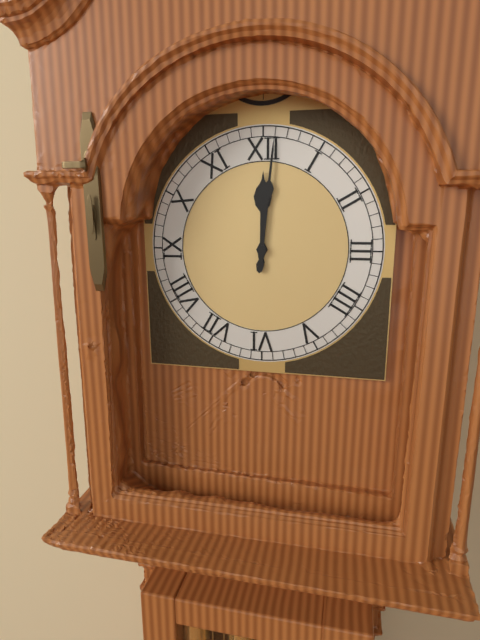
12h01
